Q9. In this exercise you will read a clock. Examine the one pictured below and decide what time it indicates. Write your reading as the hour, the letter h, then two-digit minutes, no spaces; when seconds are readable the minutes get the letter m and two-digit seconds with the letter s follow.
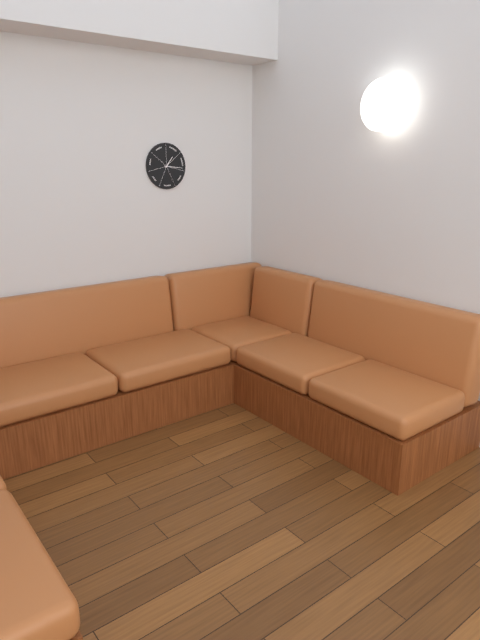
1h16
